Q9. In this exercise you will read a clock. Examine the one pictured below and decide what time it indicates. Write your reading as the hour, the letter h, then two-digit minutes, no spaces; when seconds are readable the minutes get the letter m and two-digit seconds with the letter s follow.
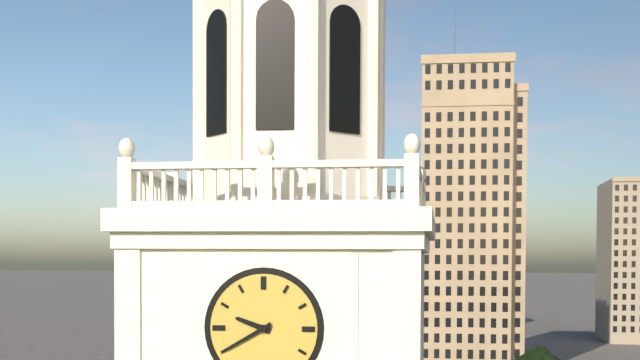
9h40
